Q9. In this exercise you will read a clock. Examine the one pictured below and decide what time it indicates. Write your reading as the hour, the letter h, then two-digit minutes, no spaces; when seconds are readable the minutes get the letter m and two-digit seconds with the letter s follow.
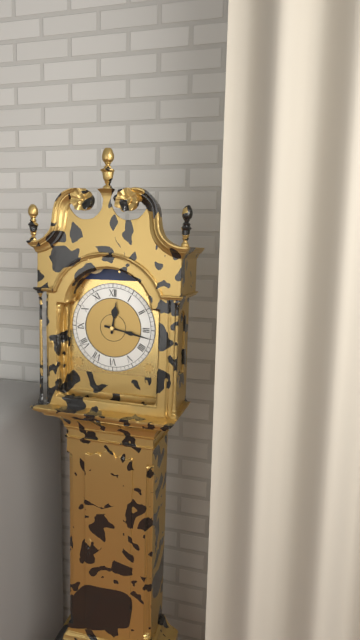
12h17
